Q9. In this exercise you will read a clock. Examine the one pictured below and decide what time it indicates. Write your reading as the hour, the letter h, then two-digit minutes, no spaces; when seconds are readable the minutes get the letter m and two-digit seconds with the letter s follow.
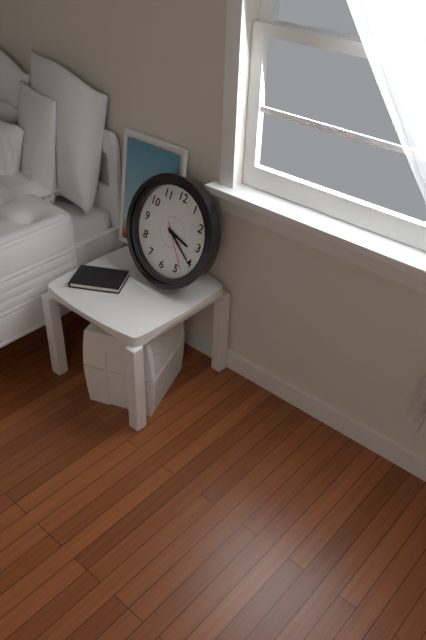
3h20
